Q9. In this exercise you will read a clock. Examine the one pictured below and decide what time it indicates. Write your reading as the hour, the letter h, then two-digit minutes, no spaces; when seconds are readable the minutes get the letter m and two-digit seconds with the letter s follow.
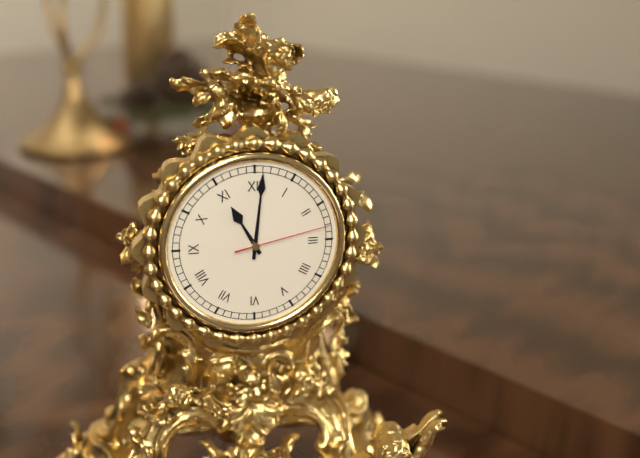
11h01m13s
